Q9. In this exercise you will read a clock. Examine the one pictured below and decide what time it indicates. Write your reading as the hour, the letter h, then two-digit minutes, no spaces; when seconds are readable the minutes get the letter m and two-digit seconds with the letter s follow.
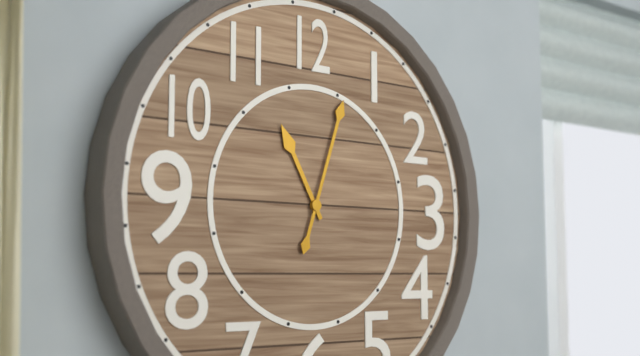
11h03
